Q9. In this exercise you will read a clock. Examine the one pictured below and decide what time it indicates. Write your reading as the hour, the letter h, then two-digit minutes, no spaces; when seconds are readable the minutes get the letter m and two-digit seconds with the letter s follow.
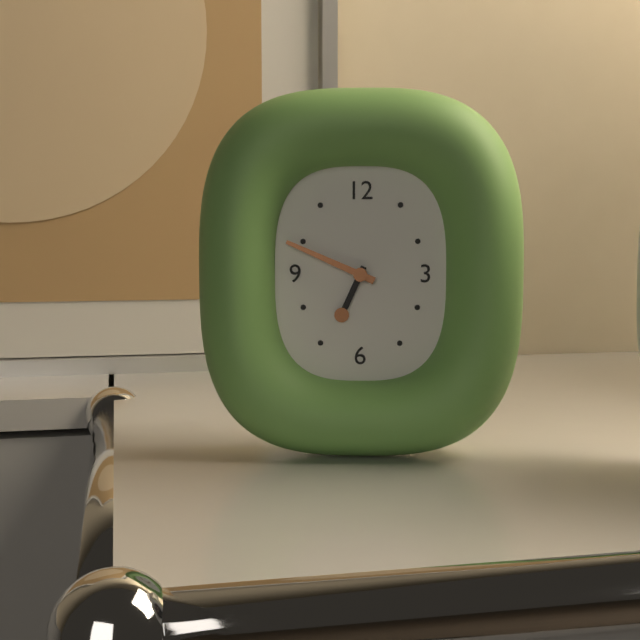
6h49
